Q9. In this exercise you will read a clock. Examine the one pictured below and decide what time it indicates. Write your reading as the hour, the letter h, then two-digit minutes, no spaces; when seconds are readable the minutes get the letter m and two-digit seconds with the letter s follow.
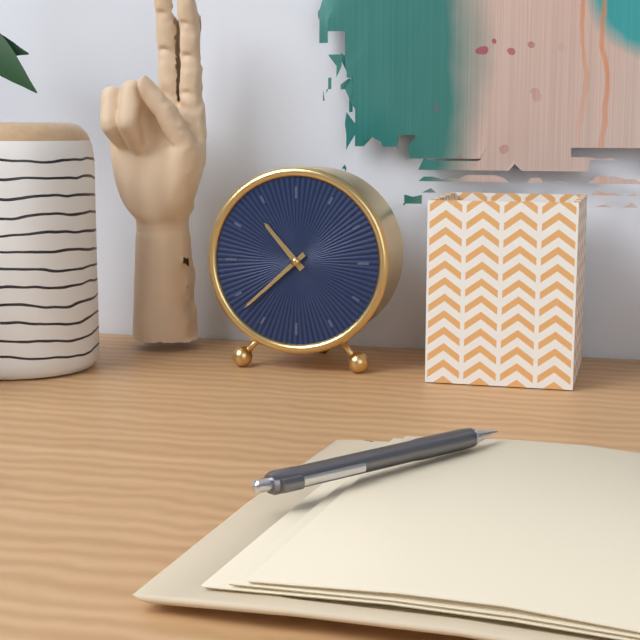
10h38
